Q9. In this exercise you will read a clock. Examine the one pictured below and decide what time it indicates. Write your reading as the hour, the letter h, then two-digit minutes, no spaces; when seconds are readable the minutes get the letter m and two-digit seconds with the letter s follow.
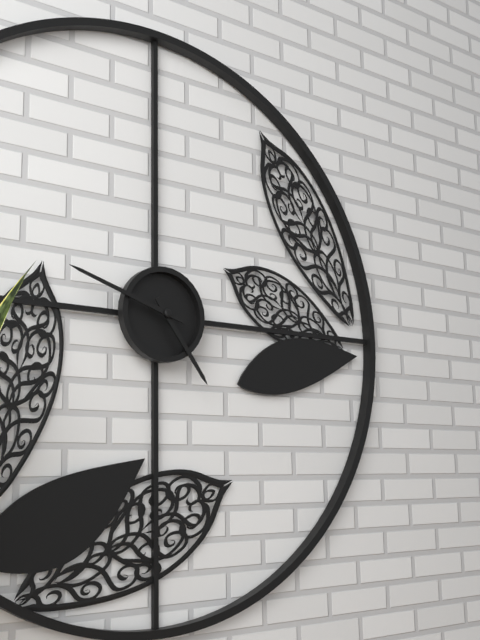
4h48
